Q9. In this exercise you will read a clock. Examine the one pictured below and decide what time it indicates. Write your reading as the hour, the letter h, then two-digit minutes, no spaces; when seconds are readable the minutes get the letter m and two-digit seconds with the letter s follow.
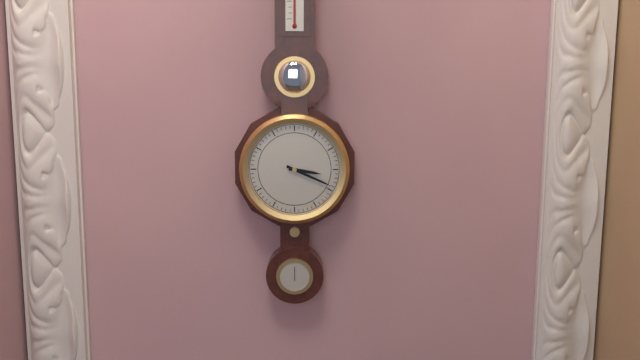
3h19
